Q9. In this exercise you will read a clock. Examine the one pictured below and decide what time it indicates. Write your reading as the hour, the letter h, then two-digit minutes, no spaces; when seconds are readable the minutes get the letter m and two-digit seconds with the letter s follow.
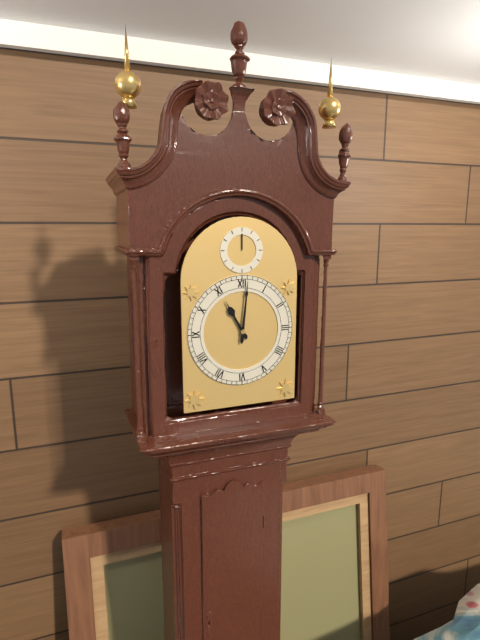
11h01
